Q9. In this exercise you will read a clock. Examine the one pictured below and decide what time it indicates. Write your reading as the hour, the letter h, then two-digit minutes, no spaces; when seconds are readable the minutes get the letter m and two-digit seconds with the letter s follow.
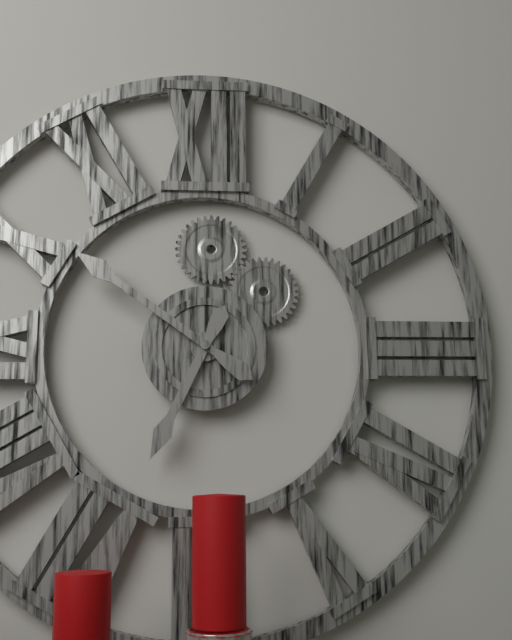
6h51
